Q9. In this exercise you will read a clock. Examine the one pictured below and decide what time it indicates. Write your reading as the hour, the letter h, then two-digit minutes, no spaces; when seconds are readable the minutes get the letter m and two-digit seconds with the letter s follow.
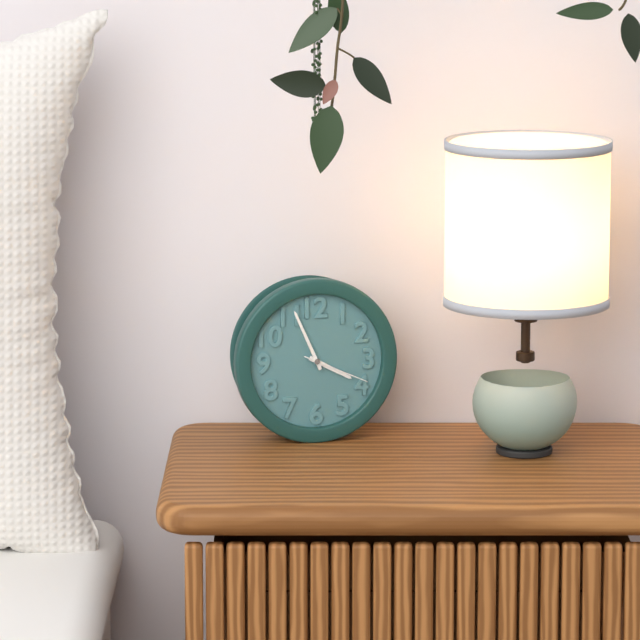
3h56m19s
